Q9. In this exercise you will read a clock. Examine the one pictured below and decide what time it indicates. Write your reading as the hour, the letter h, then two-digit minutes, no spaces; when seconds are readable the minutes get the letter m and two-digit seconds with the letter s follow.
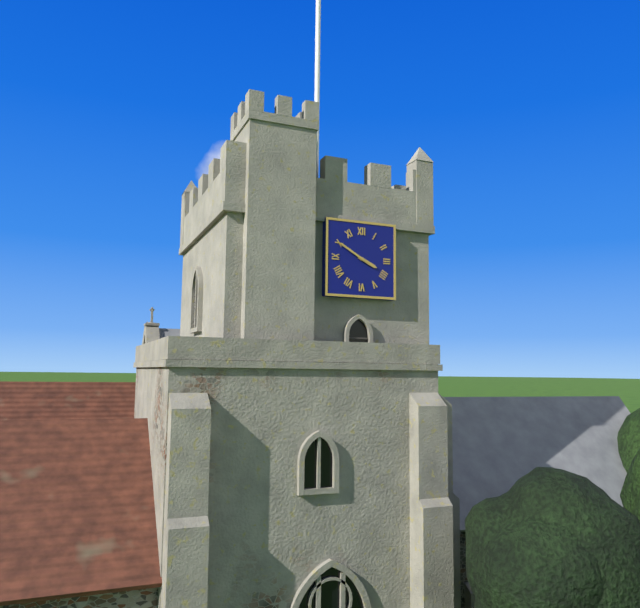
3h50
